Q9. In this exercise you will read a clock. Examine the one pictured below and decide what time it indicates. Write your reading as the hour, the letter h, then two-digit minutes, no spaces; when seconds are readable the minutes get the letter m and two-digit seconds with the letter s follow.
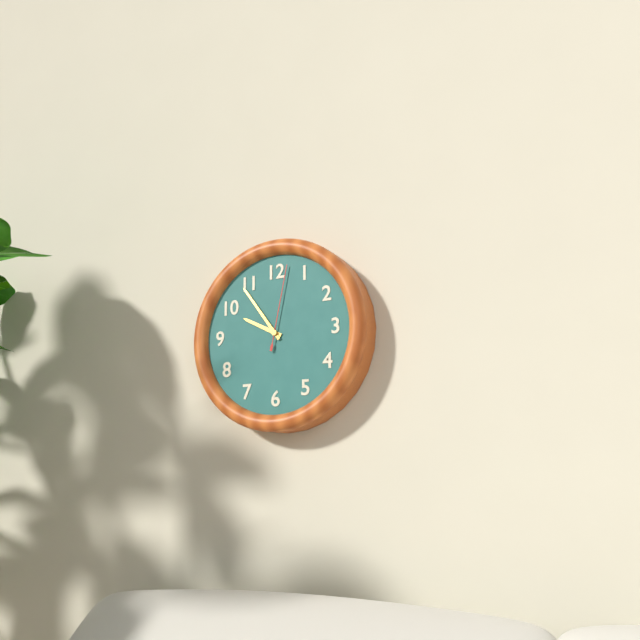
9h54m02s
